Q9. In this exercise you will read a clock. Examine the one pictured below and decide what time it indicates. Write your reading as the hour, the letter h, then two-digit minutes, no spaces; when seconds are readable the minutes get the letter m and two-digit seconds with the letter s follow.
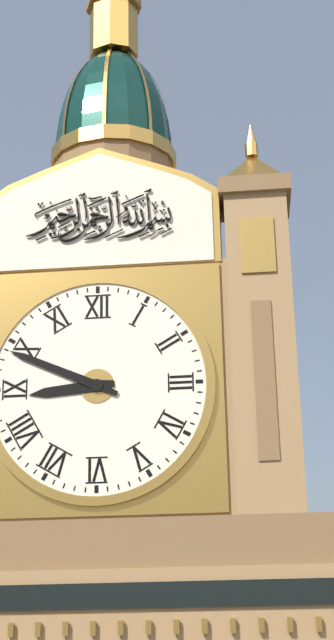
8h49
